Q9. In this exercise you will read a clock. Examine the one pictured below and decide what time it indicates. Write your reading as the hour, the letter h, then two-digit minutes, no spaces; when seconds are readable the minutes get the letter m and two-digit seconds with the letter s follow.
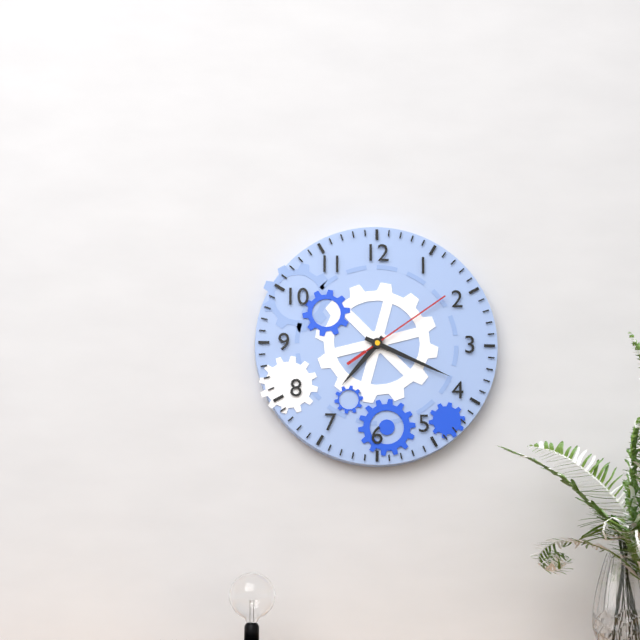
7h19m09s
